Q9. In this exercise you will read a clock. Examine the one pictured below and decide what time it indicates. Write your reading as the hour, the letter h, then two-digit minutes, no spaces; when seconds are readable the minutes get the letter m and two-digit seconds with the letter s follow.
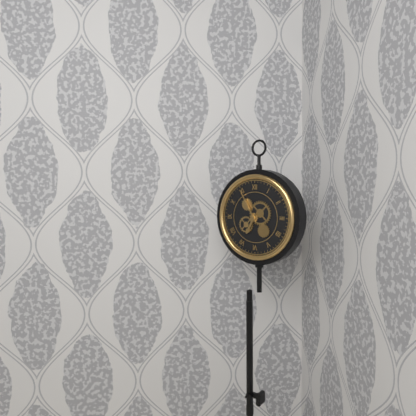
6h55
